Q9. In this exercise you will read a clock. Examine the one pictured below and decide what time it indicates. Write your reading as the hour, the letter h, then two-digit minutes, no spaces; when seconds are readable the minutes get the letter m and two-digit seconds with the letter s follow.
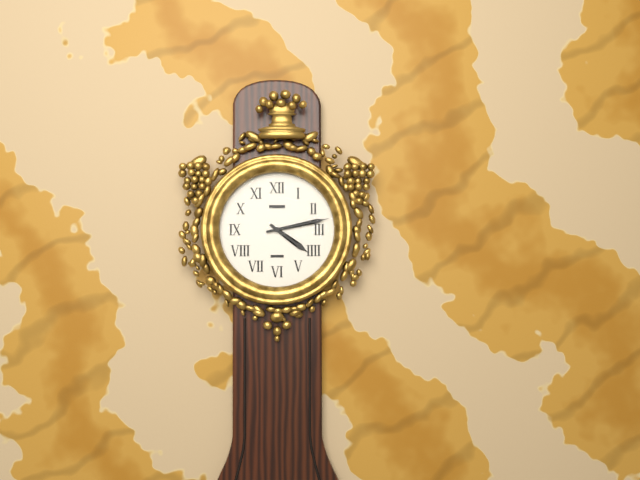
4h13
